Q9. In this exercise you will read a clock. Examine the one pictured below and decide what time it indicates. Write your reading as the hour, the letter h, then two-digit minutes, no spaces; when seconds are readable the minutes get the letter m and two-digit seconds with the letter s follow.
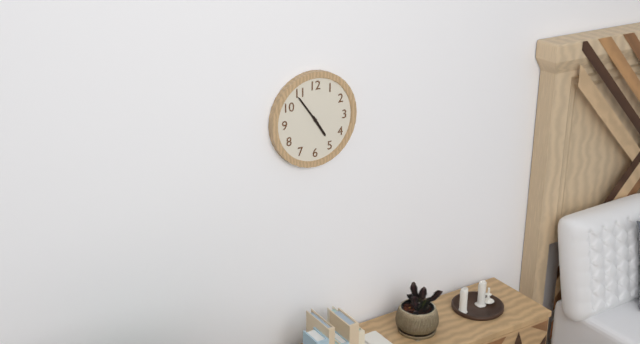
4h54
